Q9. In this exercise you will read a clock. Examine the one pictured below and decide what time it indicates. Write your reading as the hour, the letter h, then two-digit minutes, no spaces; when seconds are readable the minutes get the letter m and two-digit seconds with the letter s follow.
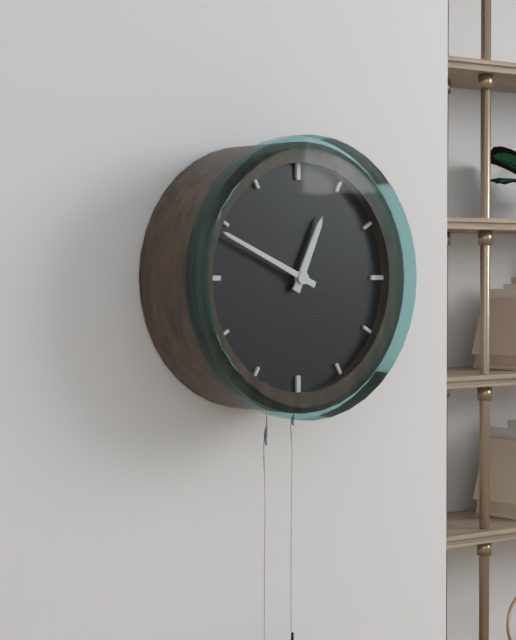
12h49
